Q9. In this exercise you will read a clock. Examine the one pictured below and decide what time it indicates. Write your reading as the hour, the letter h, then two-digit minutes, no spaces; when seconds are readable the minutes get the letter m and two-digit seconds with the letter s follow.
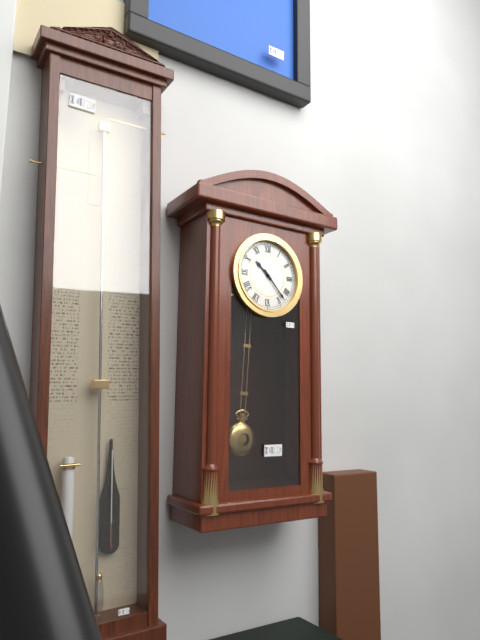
10h23
